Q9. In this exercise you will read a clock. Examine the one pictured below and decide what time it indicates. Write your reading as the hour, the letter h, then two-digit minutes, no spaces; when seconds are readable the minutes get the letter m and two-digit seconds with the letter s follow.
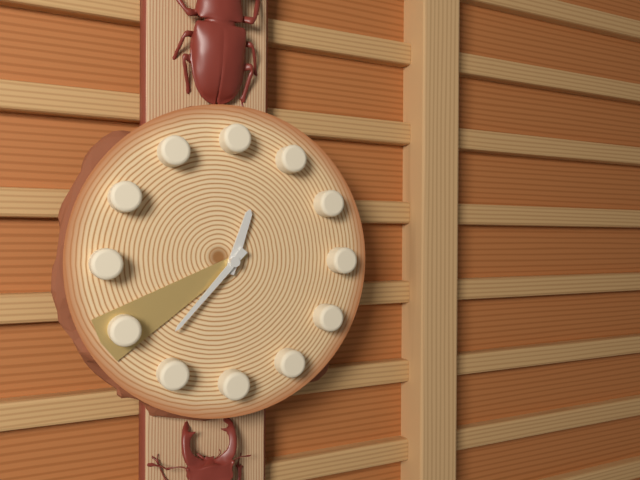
12h37m40s
